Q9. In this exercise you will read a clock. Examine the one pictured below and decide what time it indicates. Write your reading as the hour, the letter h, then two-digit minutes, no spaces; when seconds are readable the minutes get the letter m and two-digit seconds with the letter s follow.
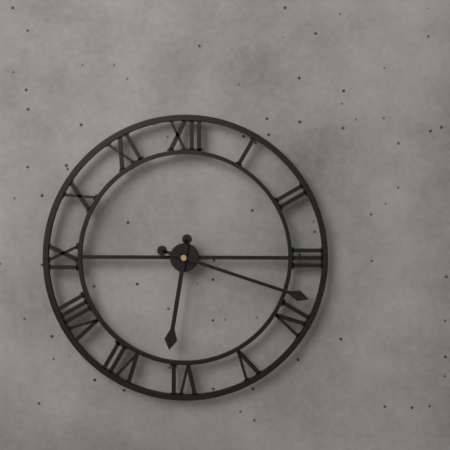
6h18
